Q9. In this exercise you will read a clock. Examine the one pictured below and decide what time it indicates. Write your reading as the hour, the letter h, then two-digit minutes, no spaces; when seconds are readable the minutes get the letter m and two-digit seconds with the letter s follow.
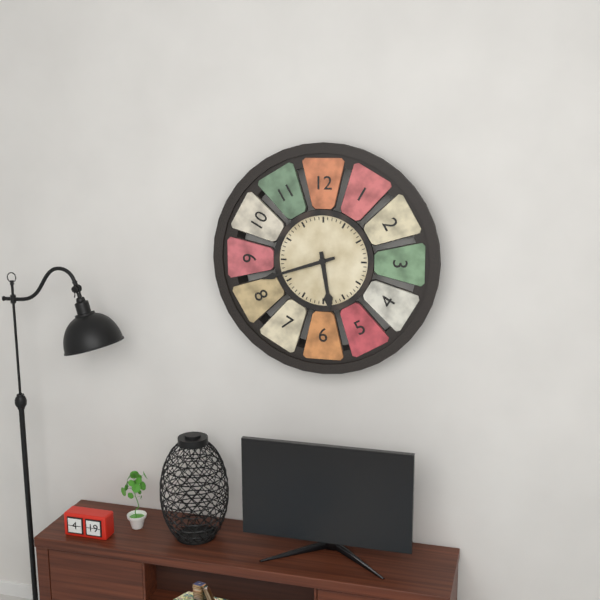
5h42
